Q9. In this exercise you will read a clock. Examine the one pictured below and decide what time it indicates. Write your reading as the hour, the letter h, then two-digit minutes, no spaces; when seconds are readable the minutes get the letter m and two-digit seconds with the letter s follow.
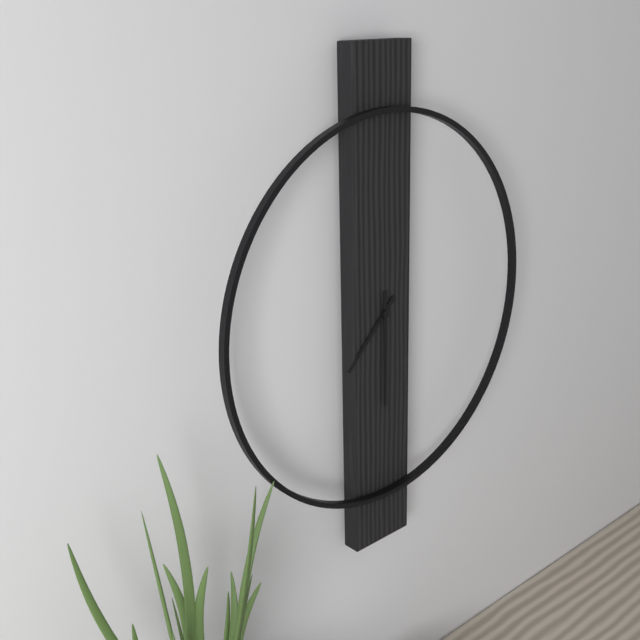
7h30
